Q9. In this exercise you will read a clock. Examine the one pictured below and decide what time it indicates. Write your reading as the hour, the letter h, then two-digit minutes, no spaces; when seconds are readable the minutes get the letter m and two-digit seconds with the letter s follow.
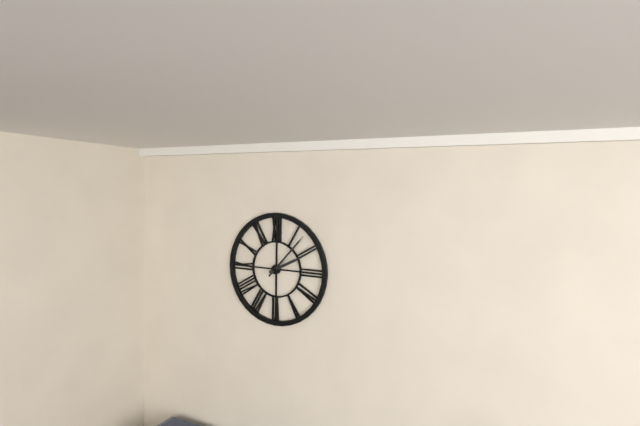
2h07
